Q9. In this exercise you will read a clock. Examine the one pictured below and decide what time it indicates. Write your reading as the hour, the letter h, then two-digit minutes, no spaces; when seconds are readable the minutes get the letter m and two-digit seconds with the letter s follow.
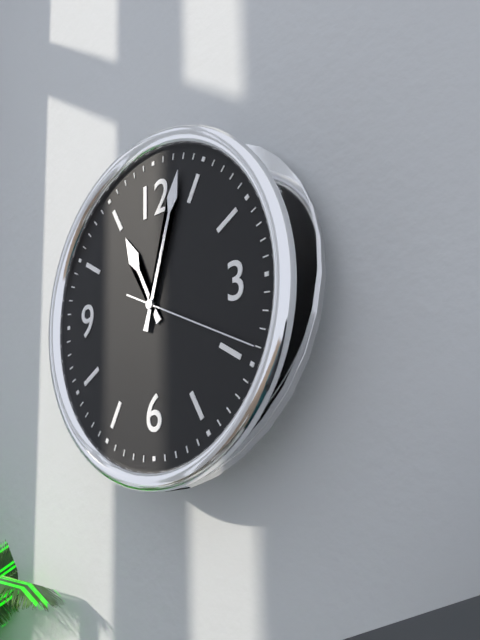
11h03m19s
